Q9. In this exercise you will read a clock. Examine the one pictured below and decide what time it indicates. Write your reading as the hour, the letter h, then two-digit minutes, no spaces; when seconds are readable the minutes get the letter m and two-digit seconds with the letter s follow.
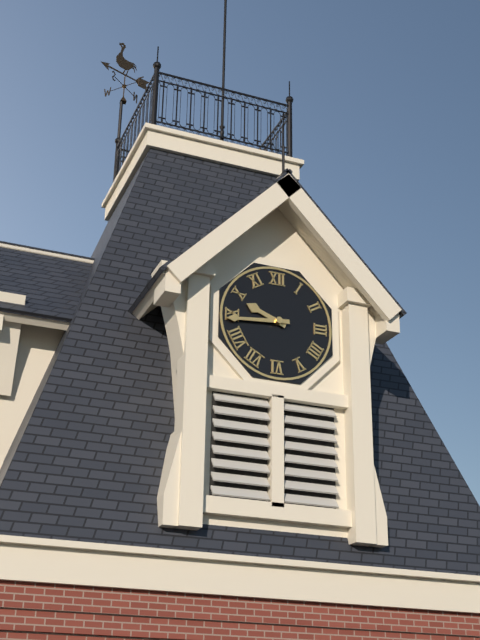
9h44
